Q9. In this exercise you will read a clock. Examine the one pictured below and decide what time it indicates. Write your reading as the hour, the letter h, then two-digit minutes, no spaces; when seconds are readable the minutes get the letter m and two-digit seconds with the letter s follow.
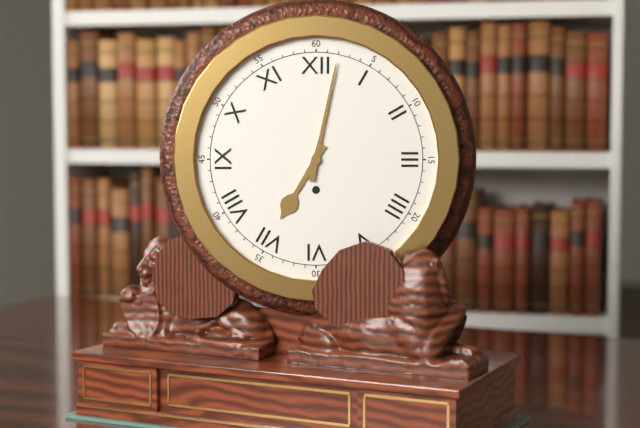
7h02
